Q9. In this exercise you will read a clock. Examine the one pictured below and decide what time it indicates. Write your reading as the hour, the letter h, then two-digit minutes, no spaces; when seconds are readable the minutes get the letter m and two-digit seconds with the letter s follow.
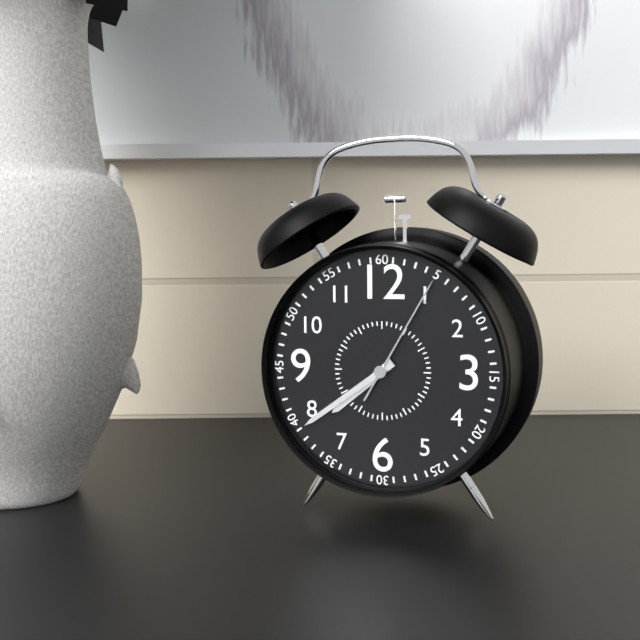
7h39m05s
